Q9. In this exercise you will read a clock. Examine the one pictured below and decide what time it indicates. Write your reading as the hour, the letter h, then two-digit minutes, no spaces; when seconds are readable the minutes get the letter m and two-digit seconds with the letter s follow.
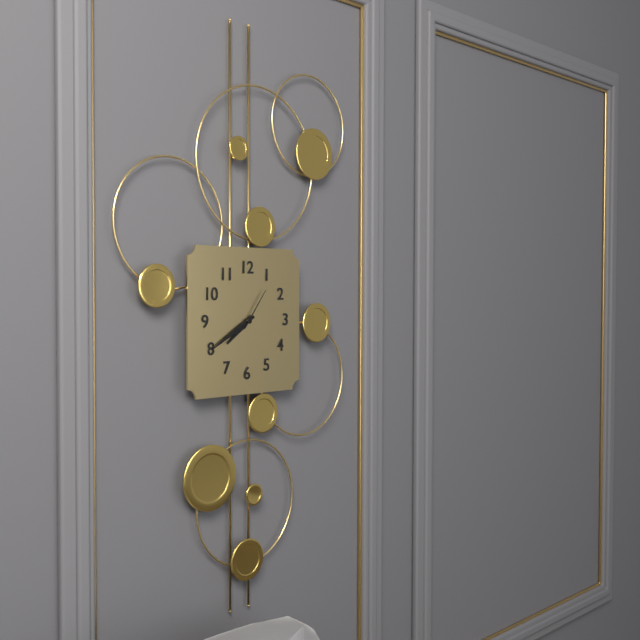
7h40
